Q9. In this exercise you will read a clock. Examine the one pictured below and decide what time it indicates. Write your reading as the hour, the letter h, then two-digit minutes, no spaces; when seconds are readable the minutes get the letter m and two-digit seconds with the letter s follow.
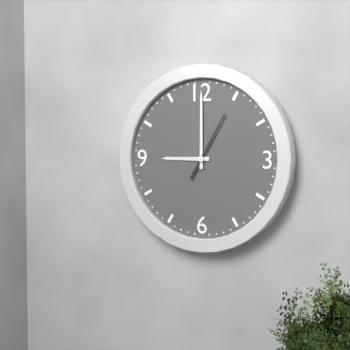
9h00m05s
